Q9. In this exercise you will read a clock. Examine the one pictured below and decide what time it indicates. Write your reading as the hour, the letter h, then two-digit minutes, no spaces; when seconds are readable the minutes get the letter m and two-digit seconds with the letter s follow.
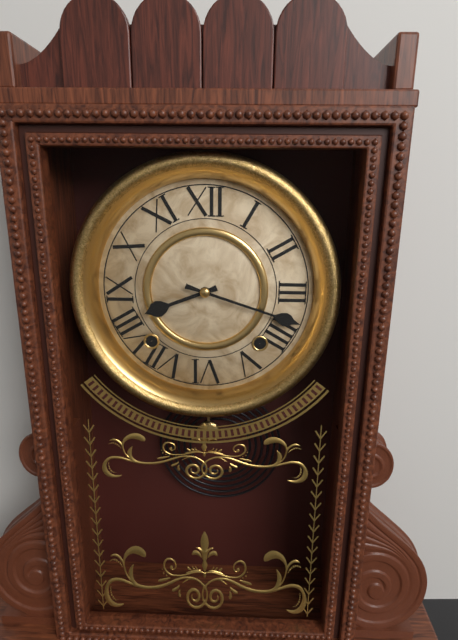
8h18
